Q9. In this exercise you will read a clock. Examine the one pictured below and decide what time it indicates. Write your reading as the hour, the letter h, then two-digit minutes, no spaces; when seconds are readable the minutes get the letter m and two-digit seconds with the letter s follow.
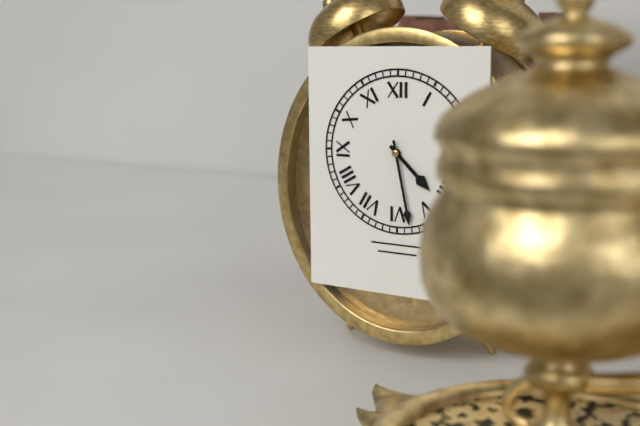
4h28
